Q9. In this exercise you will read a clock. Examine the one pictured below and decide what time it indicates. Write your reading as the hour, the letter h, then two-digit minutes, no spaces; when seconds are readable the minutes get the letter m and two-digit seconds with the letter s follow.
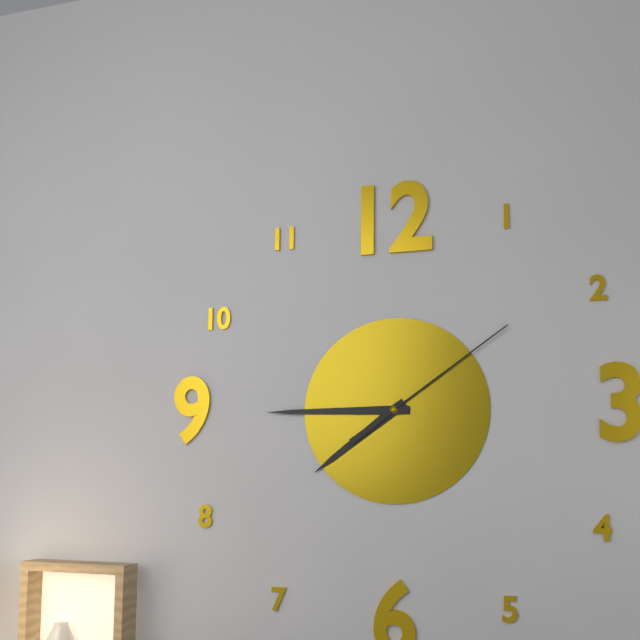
7h45m09s
